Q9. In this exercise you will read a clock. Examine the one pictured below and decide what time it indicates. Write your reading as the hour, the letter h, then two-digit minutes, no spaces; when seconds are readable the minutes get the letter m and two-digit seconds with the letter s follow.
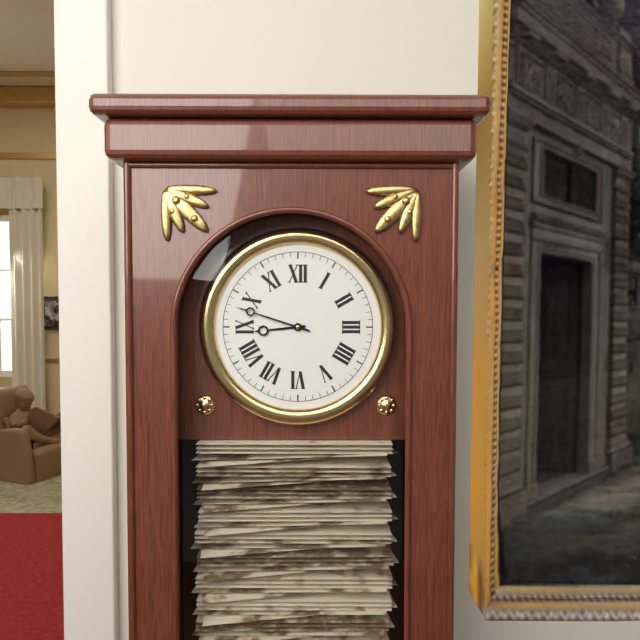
8h48
